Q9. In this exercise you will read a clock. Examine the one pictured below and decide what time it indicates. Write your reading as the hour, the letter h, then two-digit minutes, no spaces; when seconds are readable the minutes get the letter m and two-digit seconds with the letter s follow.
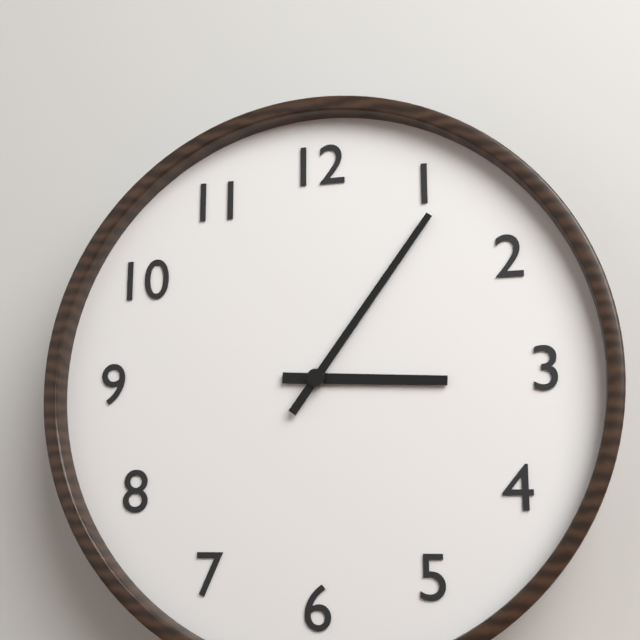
3h06
